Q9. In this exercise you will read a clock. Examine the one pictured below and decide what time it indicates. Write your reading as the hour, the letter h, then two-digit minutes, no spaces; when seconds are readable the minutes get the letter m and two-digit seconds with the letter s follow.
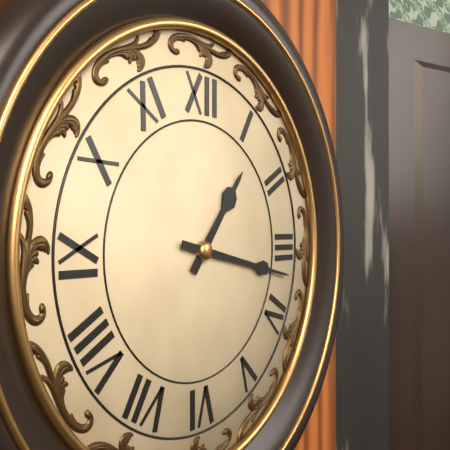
1h17
